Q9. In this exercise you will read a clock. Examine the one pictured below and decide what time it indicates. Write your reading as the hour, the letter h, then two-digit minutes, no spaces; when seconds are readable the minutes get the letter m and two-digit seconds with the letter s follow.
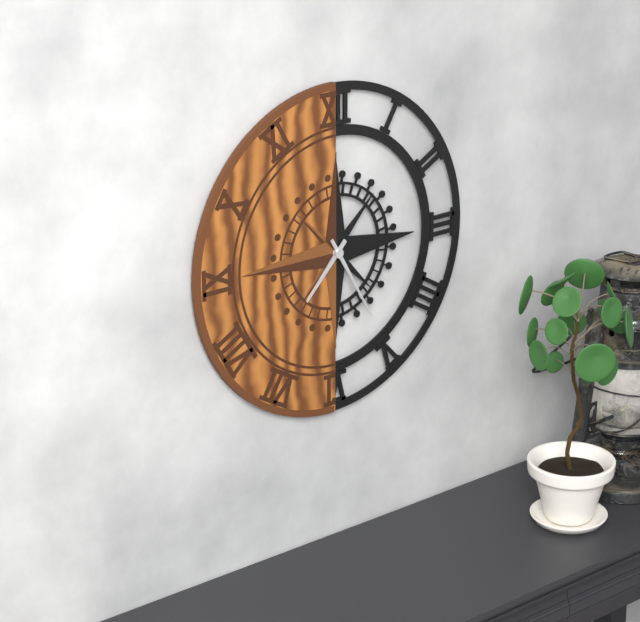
7h25
